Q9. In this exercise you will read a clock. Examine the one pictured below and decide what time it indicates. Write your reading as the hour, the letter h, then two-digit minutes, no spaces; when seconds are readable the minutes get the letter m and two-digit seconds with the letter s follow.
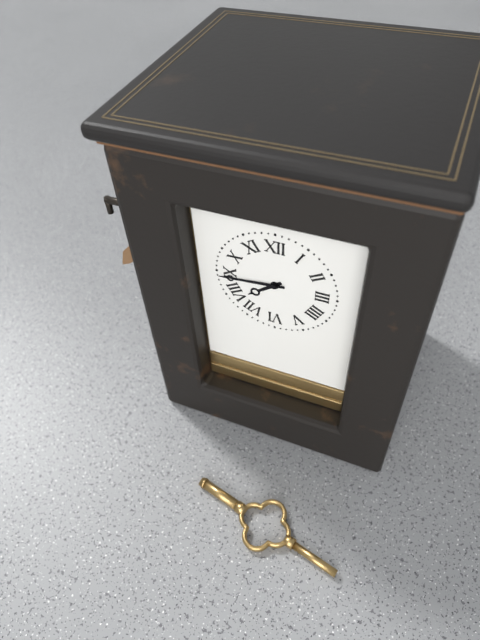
7h44
